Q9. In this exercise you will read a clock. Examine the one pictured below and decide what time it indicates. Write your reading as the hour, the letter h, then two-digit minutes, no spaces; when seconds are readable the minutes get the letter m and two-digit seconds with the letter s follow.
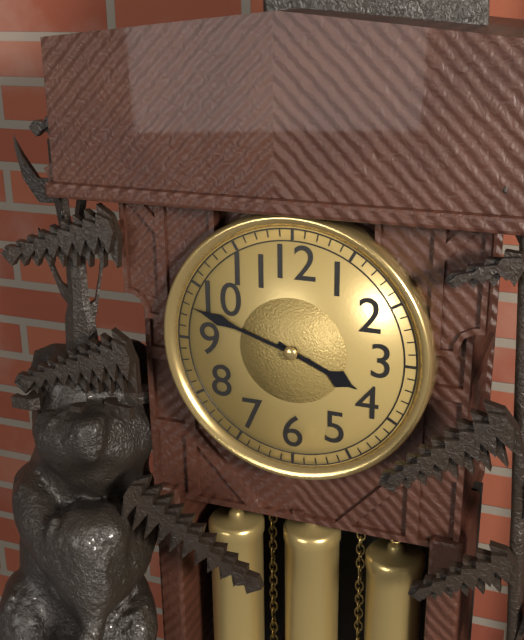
3h48
